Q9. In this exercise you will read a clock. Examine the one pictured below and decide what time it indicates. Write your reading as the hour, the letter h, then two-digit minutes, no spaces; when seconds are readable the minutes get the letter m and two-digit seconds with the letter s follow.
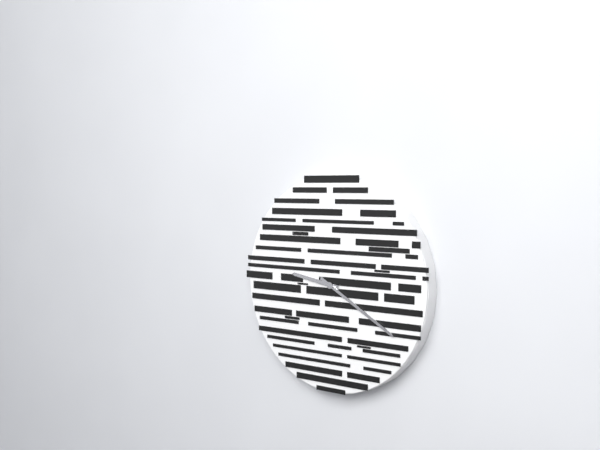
9h20
